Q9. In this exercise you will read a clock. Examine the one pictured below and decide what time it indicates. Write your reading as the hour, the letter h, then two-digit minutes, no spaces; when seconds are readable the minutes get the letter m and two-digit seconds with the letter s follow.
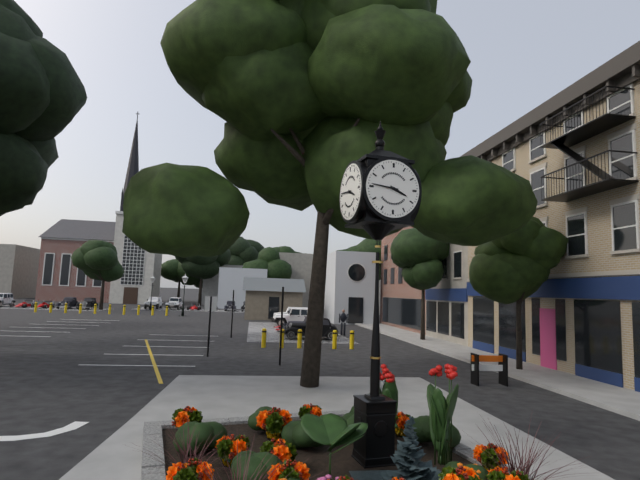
3h46
